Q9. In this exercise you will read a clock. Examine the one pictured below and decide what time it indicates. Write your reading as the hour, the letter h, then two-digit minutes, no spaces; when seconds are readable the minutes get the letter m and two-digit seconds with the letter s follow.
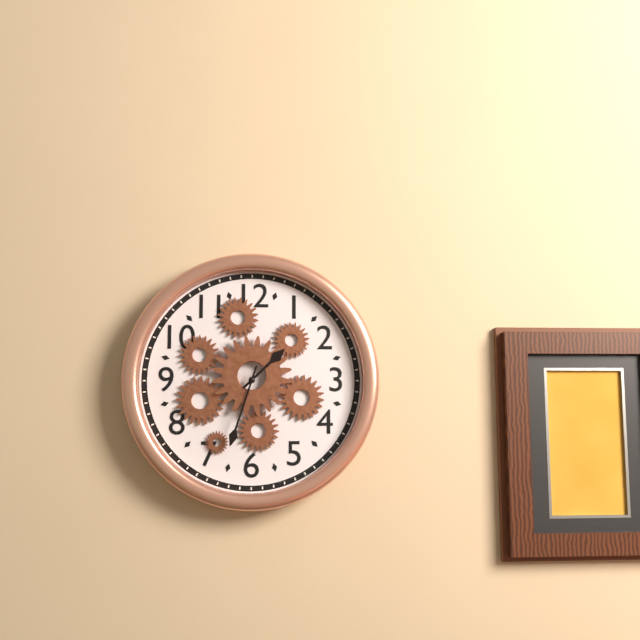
1h33
